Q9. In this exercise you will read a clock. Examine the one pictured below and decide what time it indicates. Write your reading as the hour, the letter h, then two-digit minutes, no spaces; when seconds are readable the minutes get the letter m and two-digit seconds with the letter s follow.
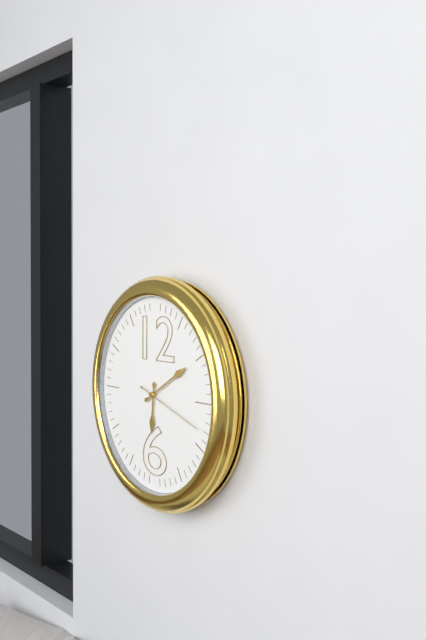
6h10m18s
